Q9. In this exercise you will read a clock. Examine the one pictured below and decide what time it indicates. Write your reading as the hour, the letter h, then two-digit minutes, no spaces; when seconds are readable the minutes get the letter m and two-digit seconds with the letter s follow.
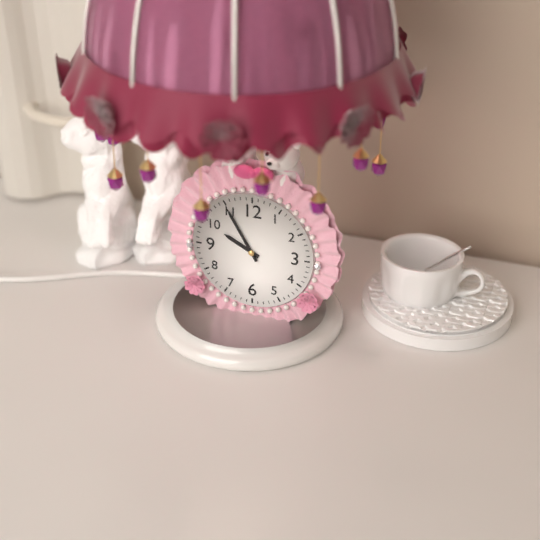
9h55
